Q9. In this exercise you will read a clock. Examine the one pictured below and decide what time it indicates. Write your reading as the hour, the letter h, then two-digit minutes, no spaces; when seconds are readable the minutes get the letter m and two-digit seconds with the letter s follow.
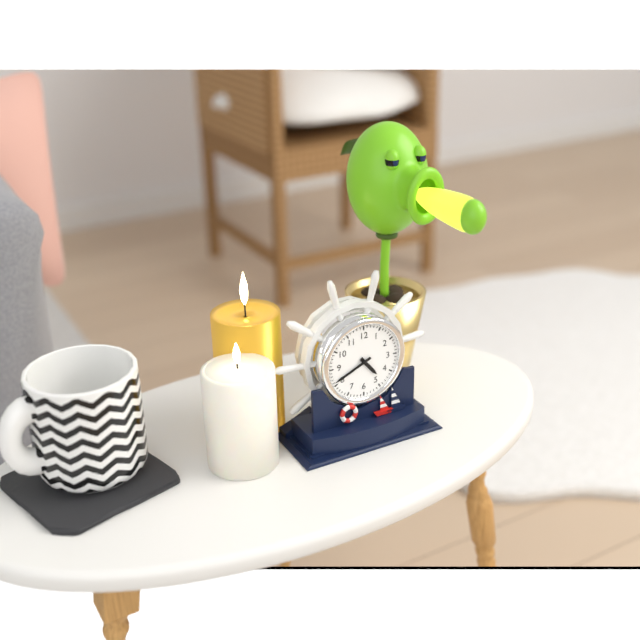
4h41
